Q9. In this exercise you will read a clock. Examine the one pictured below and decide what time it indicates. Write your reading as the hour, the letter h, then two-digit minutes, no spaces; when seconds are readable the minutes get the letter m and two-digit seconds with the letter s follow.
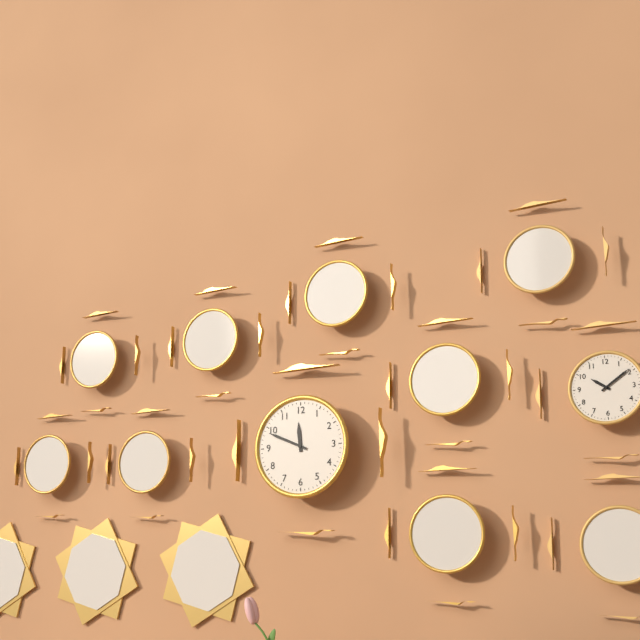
11h49
